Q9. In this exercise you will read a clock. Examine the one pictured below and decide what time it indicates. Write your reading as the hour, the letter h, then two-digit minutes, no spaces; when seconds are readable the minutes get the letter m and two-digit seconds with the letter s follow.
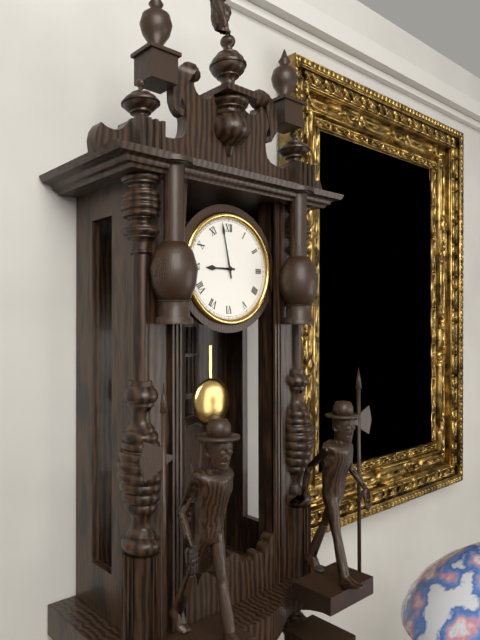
8h58
